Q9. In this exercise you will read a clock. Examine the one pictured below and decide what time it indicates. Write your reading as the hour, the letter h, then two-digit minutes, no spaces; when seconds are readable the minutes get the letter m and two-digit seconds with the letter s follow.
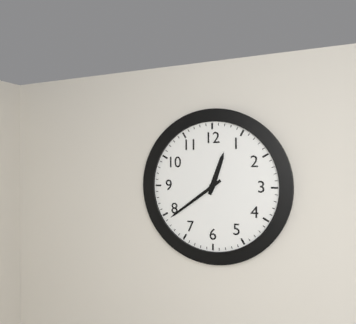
12h39
